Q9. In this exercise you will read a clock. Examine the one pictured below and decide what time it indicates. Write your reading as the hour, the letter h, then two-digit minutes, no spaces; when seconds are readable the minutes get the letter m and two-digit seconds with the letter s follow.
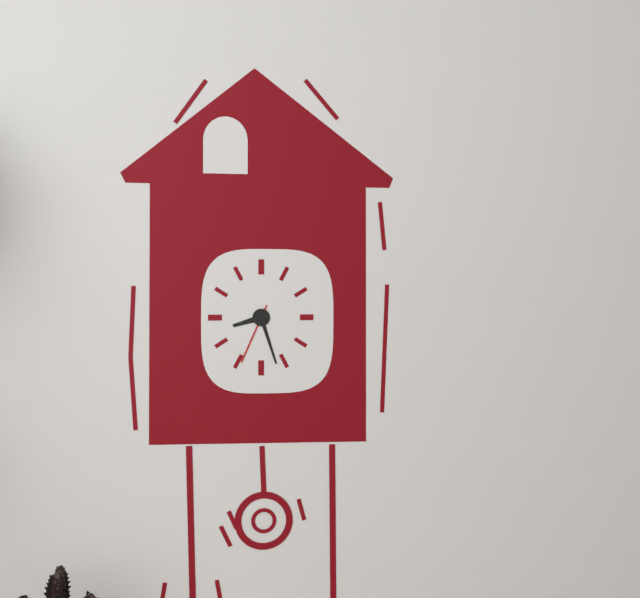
8h27m34s
